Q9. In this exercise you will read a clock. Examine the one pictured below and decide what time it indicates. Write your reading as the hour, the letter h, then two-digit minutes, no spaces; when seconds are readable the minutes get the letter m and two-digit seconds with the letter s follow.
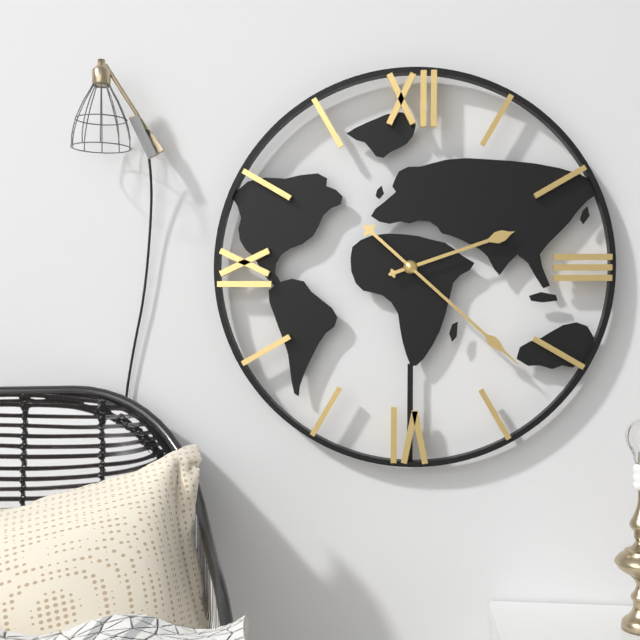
2h22
